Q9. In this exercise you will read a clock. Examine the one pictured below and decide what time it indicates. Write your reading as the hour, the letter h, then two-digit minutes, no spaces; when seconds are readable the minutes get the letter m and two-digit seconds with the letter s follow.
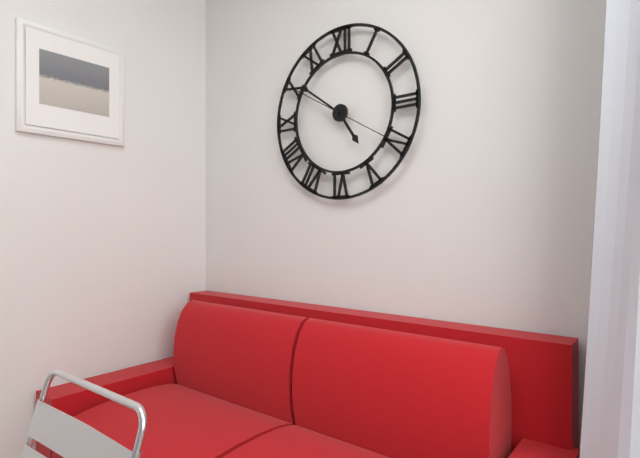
4h51m20s
